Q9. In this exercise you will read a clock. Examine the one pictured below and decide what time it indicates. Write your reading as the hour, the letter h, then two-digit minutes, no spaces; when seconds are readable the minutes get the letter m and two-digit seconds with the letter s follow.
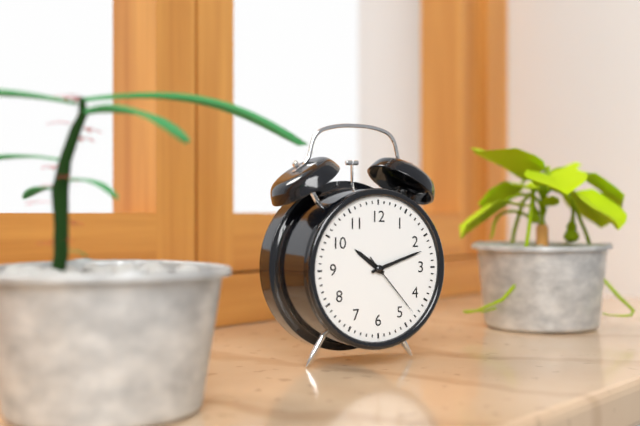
10h12m23s
